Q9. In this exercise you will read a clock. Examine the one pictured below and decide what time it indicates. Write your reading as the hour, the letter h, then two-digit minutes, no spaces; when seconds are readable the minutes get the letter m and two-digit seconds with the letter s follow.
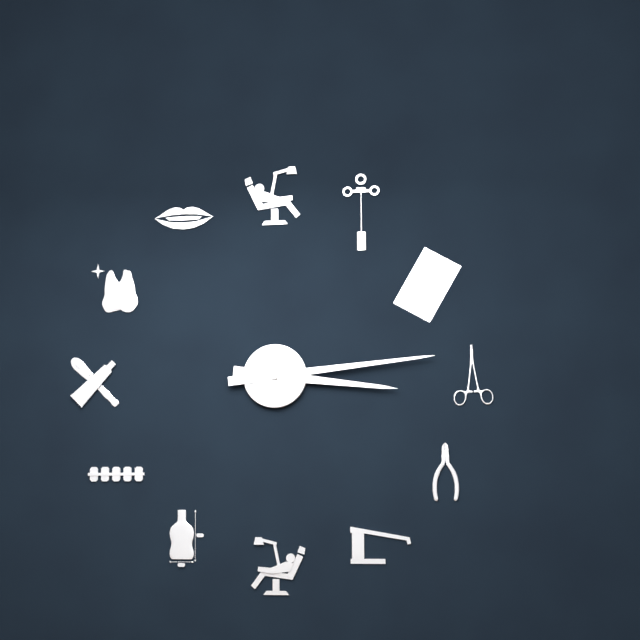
3h14
